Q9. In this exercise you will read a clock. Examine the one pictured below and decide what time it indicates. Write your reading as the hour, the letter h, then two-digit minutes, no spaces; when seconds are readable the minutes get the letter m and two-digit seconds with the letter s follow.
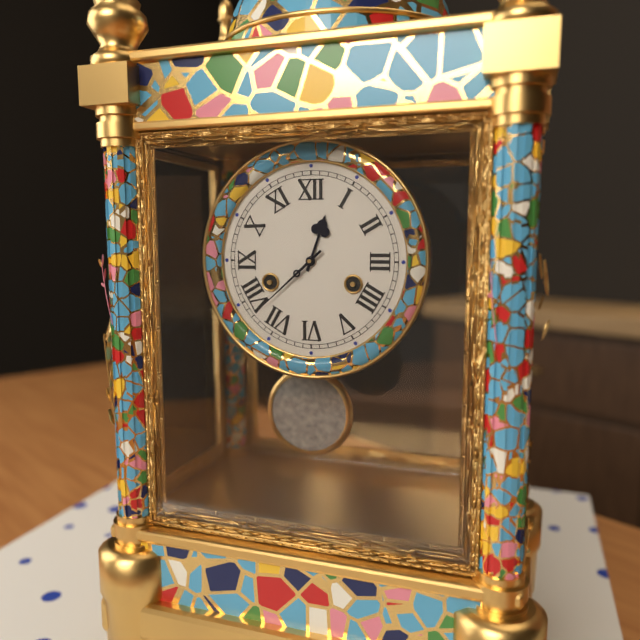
12h38
